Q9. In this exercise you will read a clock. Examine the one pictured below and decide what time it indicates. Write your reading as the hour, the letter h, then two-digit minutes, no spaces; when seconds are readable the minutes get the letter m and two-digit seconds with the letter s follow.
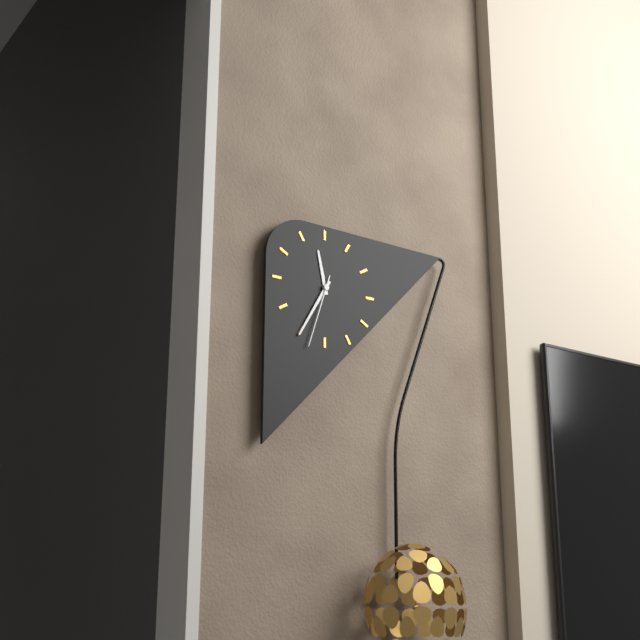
11h35m33s
